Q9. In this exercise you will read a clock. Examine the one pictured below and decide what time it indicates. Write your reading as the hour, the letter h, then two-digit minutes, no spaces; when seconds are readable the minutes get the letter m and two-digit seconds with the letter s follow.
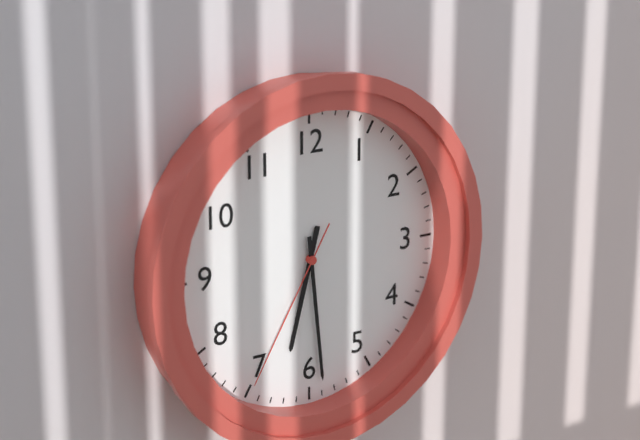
6h29m35s
